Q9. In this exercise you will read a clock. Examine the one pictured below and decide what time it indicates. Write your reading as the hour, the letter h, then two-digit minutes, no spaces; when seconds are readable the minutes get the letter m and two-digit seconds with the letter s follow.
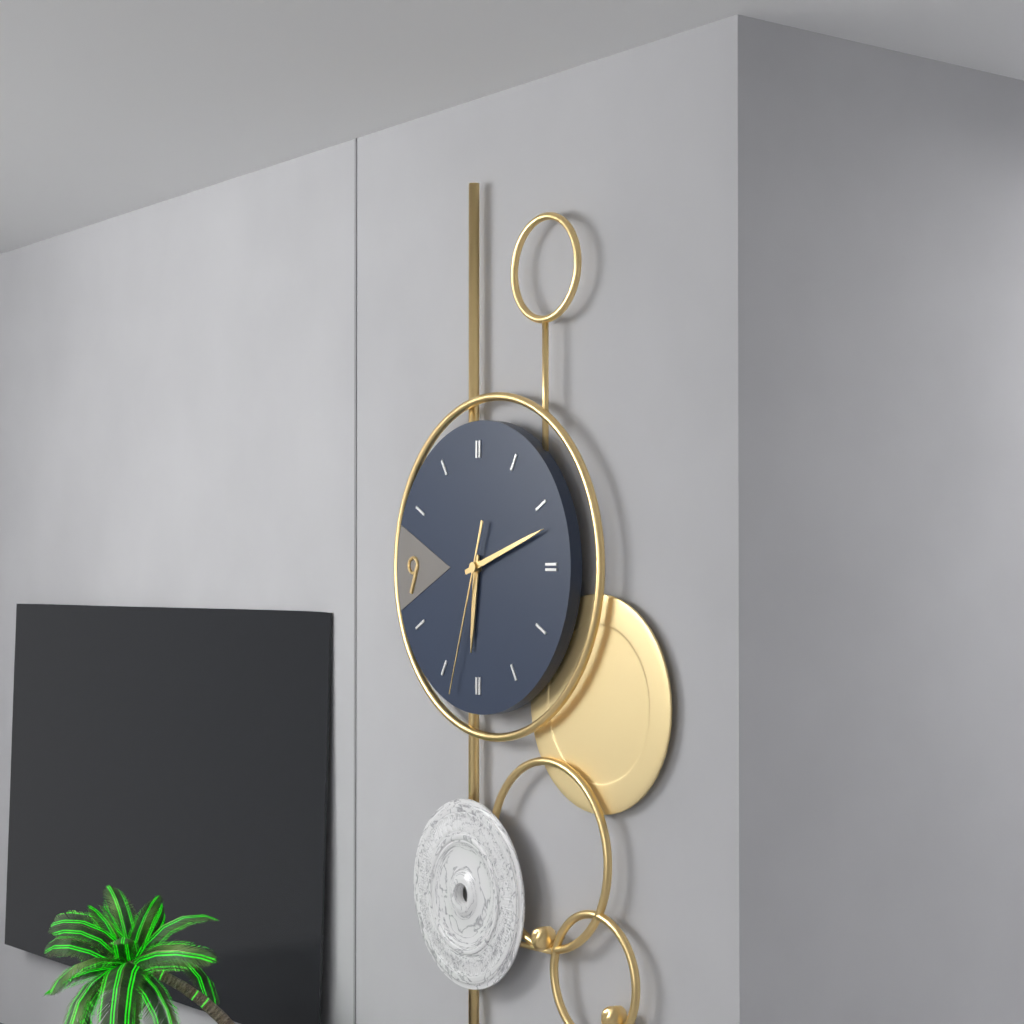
6h12m33s
